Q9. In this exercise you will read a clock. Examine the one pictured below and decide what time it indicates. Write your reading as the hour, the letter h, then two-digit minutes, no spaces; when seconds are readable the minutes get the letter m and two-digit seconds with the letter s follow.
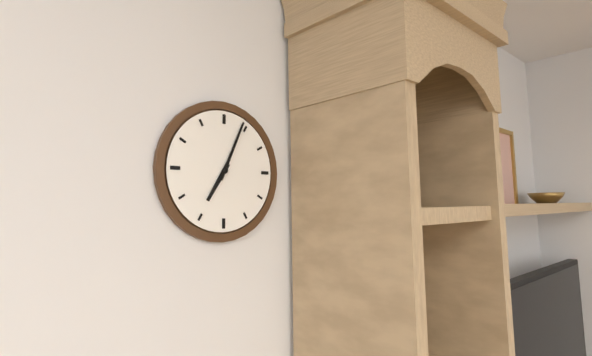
7h04
